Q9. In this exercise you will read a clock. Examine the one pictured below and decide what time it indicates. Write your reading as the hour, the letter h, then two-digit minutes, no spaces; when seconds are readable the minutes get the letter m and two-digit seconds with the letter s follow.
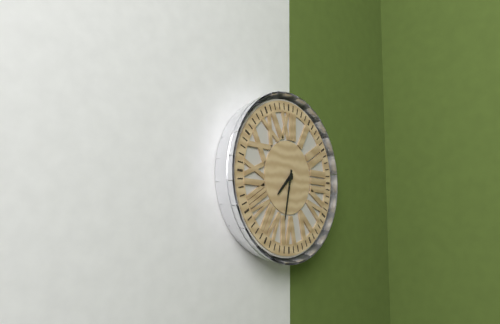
7h32
